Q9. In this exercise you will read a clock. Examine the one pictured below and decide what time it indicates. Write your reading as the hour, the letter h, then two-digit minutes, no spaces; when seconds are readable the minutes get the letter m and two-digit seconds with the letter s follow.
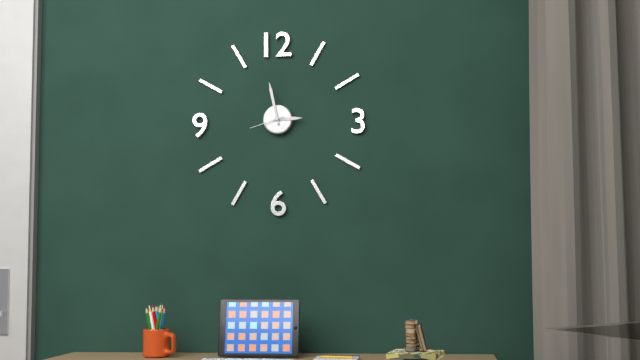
2h58
